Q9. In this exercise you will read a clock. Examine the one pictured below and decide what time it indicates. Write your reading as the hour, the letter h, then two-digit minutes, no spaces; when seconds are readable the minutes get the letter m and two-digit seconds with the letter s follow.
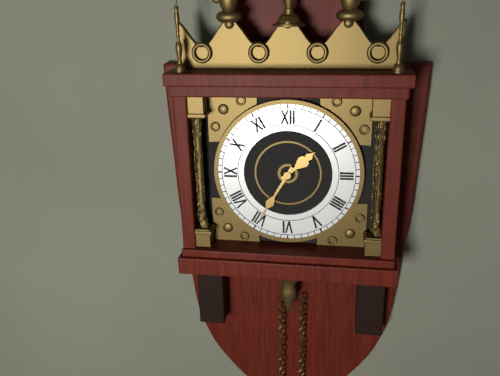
1h35
